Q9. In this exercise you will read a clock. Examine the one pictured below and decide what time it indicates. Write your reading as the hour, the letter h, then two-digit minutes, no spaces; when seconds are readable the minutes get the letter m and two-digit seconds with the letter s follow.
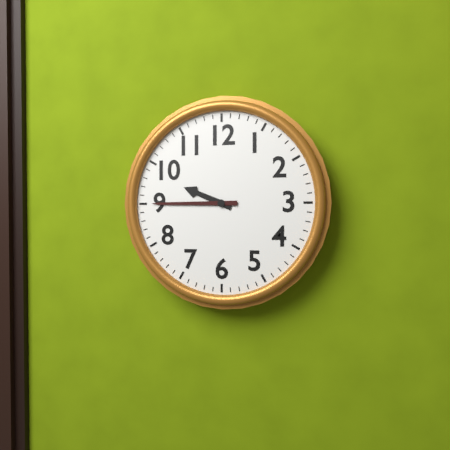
9h45
